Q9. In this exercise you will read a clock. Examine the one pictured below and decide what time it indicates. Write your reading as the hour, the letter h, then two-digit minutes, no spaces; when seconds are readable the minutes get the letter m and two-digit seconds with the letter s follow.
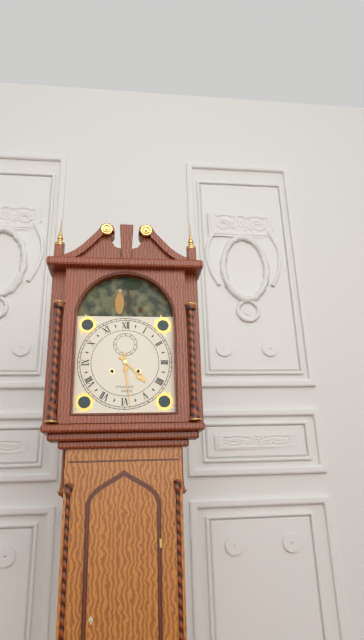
4h29
